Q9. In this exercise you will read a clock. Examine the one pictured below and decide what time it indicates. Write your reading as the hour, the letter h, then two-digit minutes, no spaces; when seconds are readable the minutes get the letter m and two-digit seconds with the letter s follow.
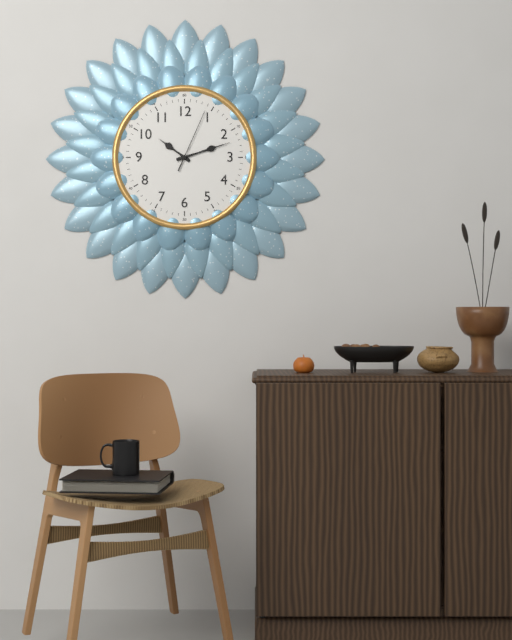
10h12m04s
